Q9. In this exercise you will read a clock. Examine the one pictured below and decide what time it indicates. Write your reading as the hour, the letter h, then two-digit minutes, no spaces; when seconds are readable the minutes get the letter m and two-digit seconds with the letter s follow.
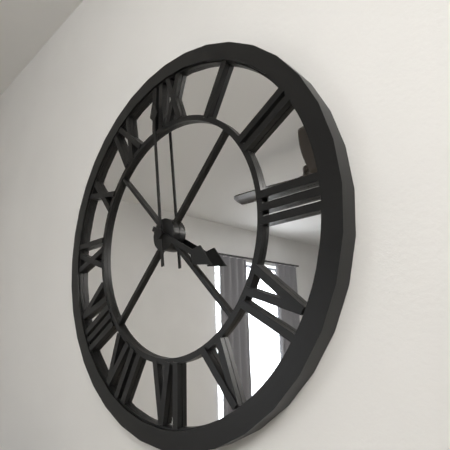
3h59
